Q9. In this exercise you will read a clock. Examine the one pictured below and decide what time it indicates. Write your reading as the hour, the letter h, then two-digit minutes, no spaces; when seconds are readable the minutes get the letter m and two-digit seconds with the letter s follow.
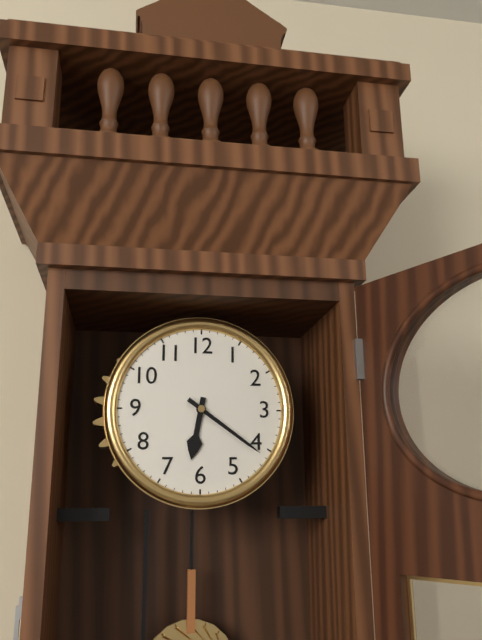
6h21
